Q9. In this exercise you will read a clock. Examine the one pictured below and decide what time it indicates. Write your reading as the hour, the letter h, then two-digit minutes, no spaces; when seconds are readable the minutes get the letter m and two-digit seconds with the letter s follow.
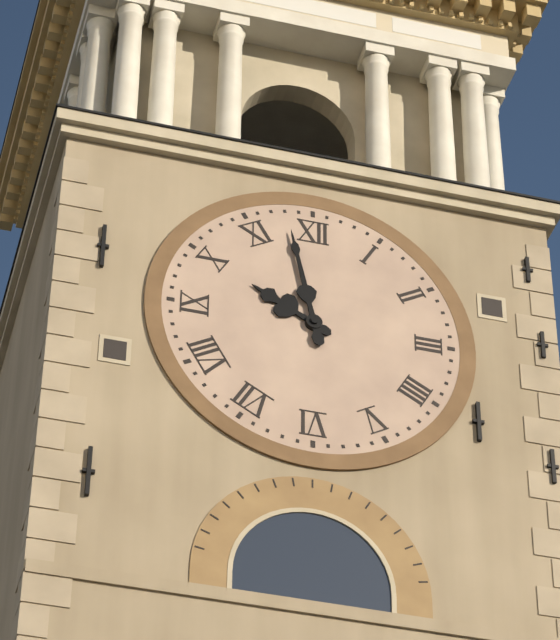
9h58
